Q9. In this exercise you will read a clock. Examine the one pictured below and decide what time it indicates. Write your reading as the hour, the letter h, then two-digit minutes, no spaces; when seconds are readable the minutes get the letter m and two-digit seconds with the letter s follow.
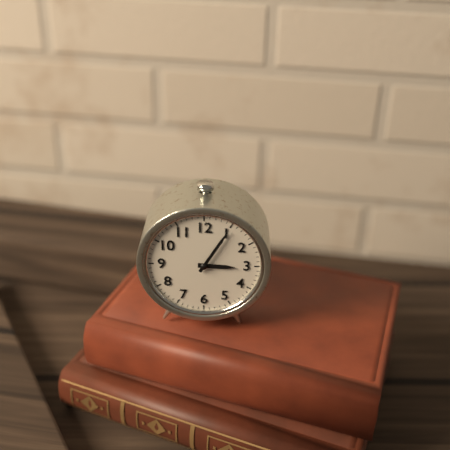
3h05
